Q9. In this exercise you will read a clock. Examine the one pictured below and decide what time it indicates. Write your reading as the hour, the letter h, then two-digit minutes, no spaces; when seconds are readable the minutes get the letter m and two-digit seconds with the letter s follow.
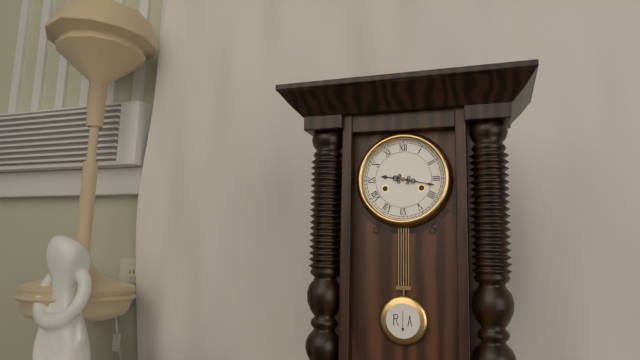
9h17
